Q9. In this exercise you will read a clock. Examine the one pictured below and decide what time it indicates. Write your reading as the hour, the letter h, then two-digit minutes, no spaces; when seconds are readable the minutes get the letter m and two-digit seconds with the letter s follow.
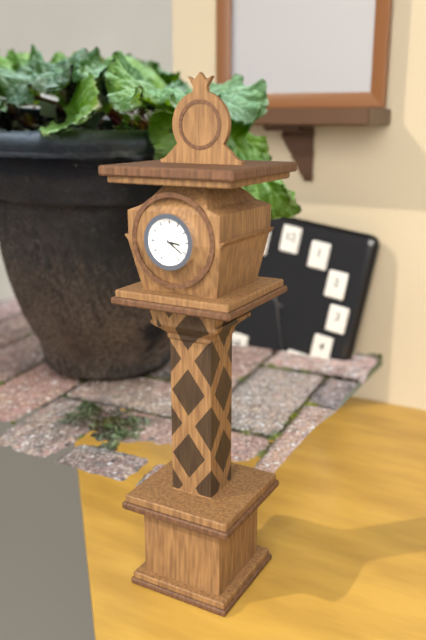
3h21
